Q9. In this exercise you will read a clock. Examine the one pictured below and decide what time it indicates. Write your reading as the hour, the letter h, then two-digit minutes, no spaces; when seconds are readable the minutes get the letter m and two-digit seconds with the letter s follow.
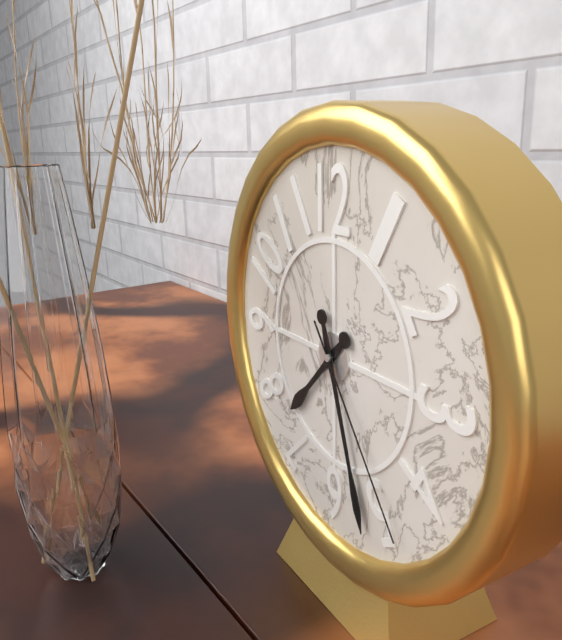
7h27m24s
